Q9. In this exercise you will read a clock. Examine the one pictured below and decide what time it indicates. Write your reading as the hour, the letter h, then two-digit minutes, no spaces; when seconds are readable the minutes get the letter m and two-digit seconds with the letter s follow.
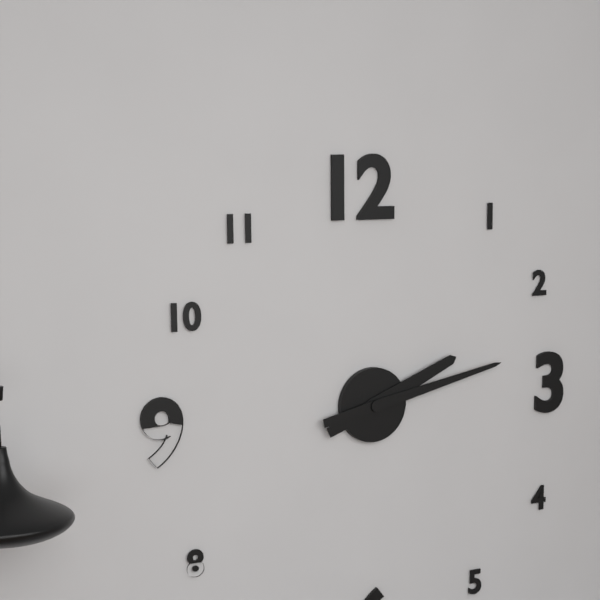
2h13
